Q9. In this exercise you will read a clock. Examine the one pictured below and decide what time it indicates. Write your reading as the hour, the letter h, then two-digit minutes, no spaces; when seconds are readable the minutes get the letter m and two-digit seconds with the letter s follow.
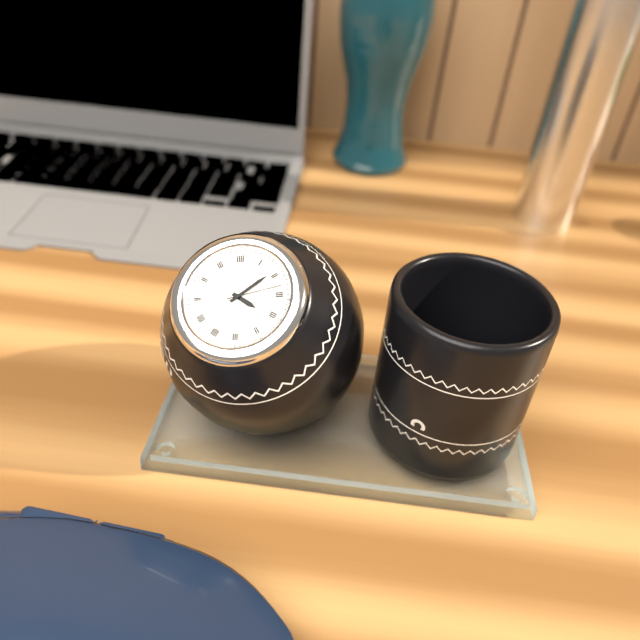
4h09m13s
